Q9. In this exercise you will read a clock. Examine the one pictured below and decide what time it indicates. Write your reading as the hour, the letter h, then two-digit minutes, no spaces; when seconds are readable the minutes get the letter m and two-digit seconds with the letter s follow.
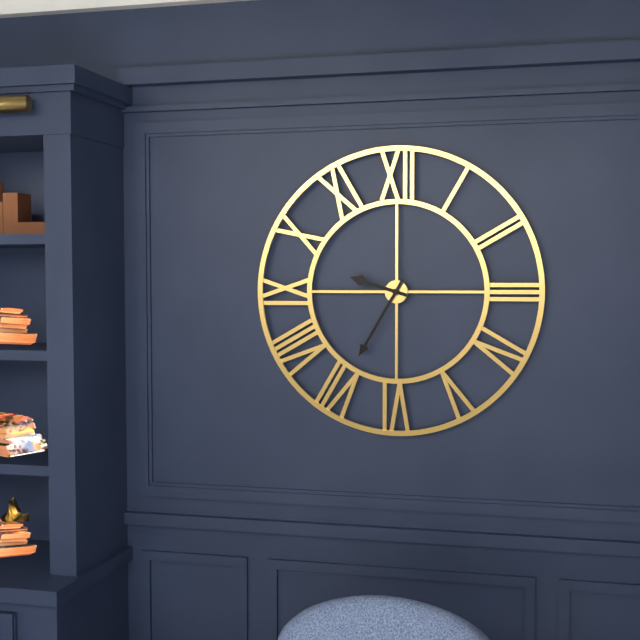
9h35
